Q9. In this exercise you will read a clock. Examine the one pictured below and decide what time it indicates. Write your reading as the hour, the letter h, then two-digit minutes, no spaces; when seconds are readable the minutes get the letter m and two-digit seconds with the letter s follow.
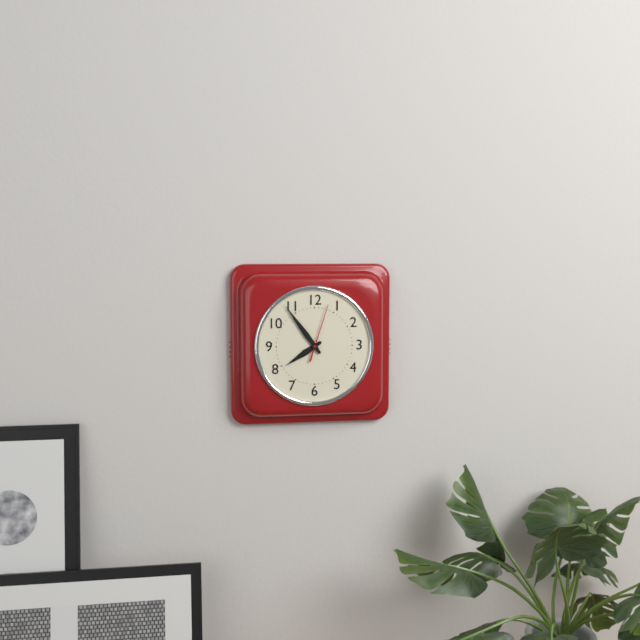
7h54m03s
